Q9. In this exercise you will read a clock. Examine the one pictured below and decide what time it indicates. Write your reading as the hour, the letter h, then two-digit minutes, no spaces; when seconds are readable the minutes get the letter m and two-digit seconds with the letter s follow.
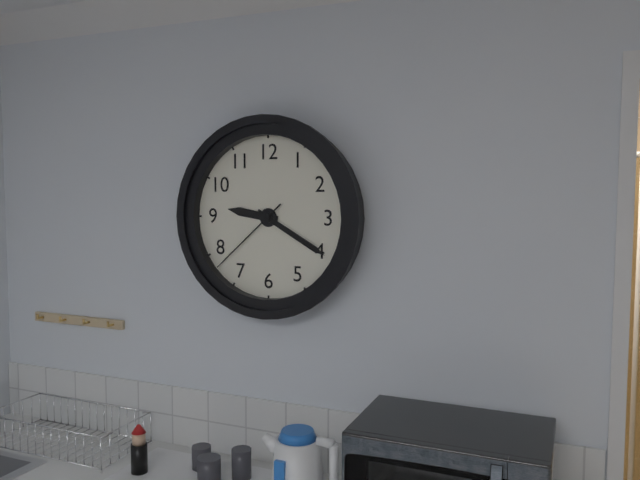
9h20m38s
